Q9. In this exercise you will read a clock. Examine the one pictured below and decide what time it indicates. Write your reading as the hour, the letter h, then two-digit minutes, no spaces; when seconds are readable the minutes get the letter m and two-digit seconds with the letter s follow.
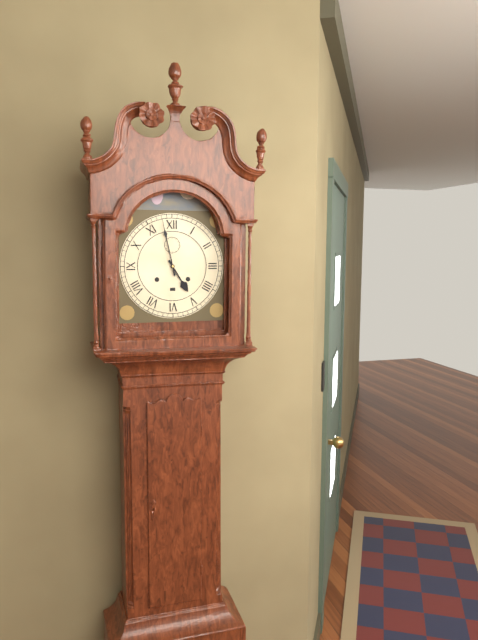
4h58
